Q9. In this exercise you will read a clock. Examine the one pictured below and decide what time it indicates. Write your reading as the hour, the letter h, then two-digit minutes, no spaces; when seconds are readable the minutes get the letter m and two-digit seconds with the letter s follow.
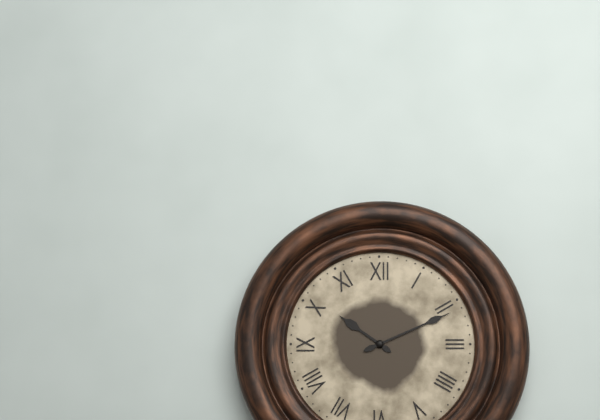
10h11
